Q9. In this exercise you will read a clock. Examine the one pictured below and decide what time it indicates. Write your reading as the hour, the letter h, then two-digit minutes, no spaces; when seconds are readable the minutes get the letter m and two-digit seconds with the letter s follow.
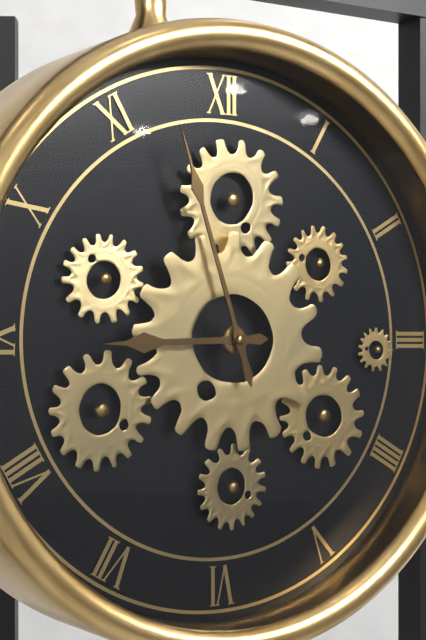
8h57
